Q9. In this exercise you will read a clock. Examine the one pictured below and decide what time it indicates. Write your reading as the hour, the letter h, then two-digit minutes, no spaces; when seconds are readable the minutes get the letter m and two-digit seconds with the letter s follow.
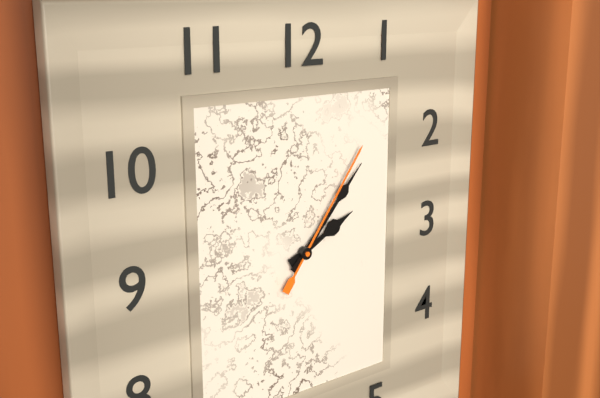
2h07m06s
